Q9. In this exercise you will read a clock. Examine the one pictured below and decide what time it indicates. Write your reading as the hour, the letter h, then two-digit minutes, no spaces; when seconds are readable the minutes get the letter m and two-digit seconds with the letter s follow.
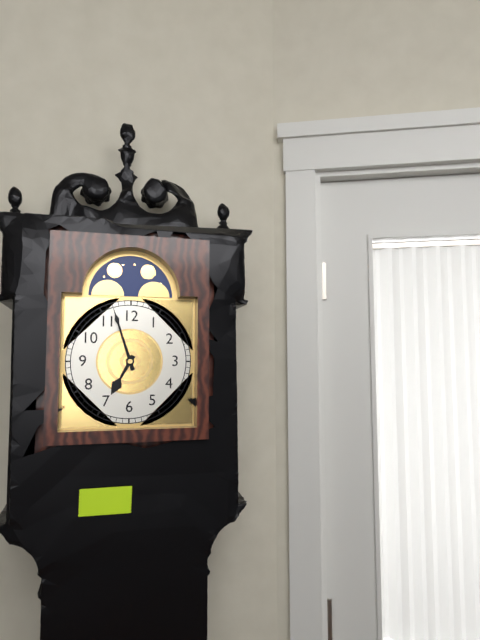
6h57
